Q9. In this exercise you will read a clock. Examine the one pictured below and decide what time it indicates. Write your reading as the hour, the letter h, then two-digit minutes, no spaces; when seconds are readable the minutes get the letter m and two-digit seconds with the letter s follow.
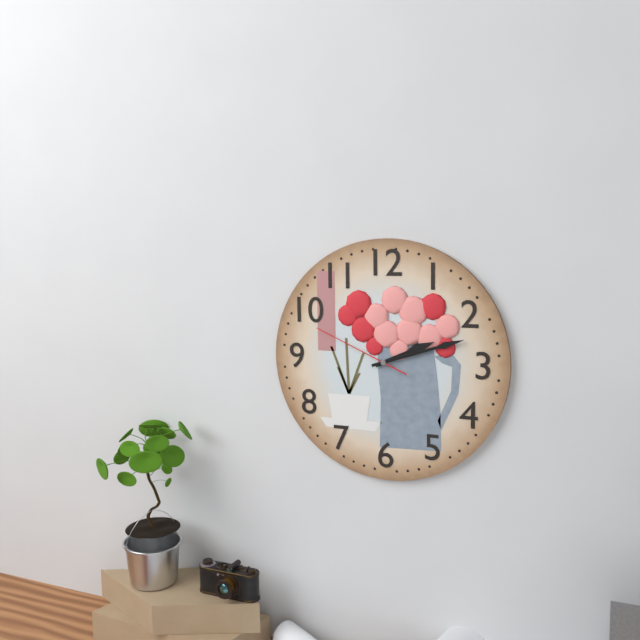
2h12m49s
